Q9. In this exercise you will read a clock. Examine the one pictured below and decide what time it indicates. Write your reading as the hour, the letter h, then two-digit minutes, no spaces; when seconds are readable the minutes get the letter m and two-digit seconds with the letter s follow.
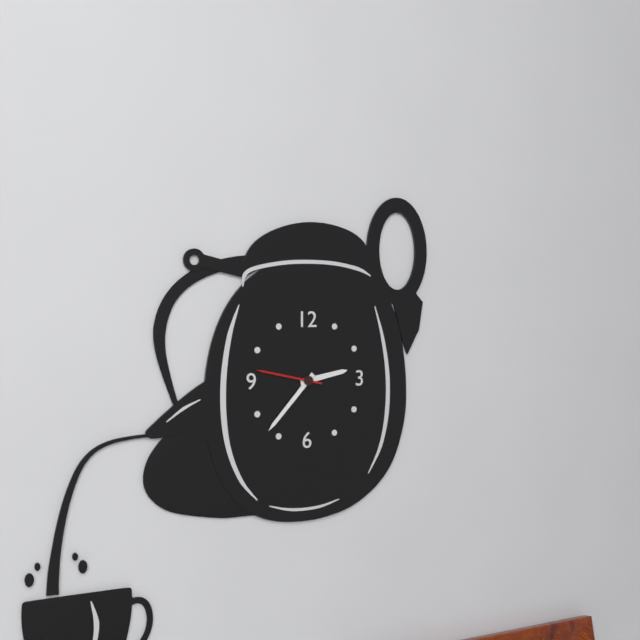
2h37m47s
